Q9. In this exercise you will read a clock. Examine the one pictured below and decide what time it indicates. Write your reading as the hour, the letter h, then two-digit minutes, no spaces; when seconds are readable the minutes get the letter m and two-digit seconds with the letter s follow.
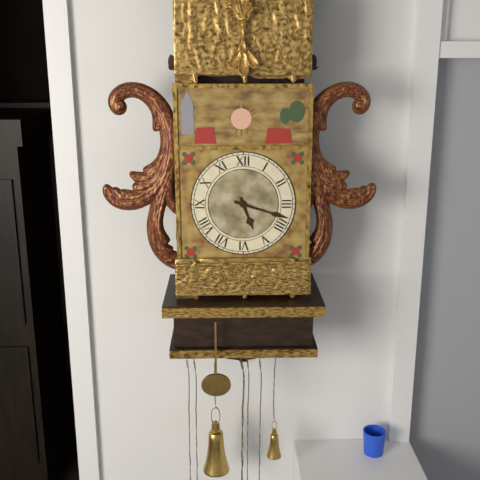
5h18
